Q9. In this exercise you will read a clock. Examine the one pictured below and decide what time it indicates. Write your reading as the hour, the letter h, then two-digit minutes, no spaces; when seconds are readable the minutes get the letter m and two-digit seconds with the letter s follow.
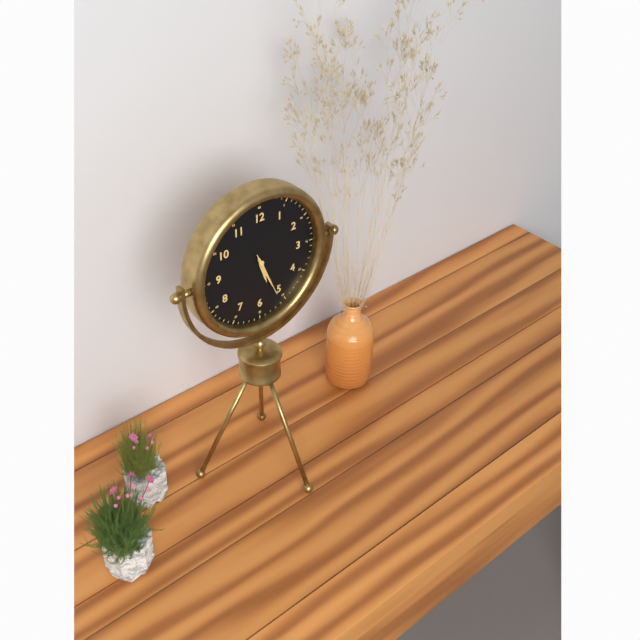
5h26
